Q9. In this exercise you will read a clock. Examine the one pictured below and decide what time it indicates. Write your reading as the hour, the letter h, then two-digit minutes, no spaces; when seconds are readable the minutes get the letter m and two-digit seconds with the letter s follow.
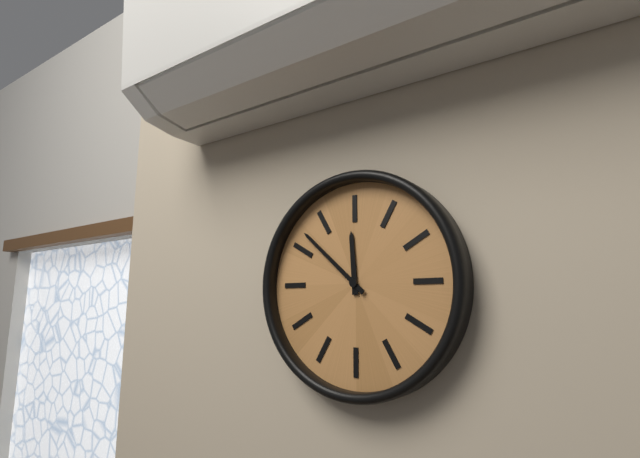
11h52
